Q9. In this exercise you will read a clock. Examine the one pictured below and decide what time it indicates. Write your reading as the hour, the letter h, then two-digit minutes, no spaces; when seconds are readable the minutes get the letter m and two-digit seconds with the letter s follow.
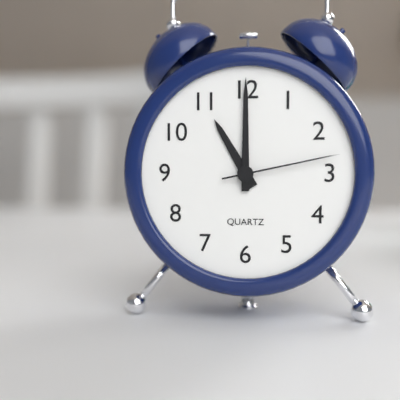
11h00m13s
